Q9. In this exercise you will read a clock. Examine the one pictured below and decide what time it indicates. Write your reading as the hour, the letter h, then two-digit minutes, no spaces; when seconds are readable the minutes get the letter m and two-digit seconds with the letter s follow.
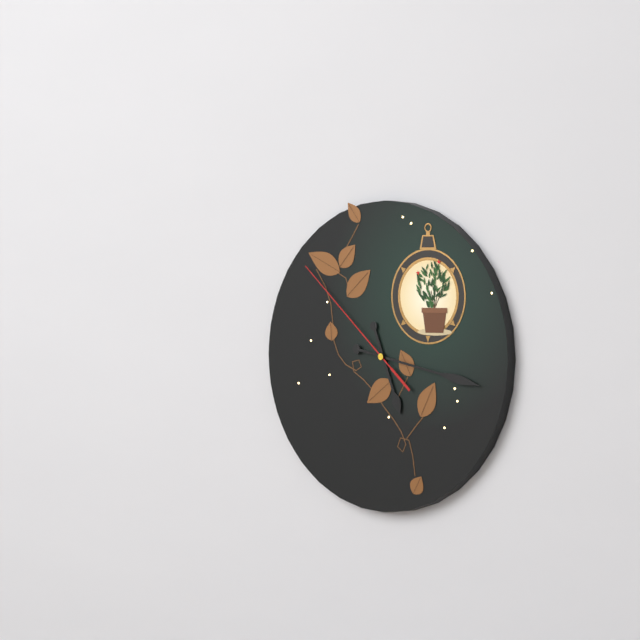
5h17m52s
